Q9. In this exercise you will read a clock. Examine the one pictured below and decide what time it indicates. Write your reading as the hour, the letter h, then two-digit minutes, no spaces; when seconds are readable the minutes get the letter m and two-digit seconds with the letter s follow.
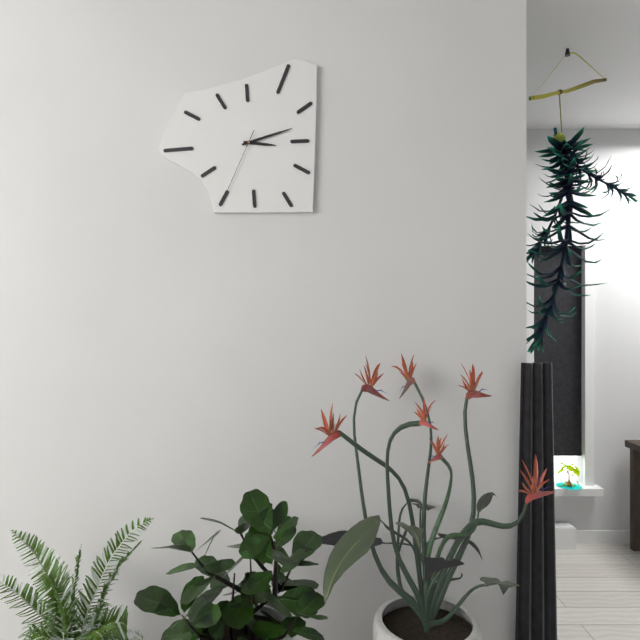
3h12m34s
